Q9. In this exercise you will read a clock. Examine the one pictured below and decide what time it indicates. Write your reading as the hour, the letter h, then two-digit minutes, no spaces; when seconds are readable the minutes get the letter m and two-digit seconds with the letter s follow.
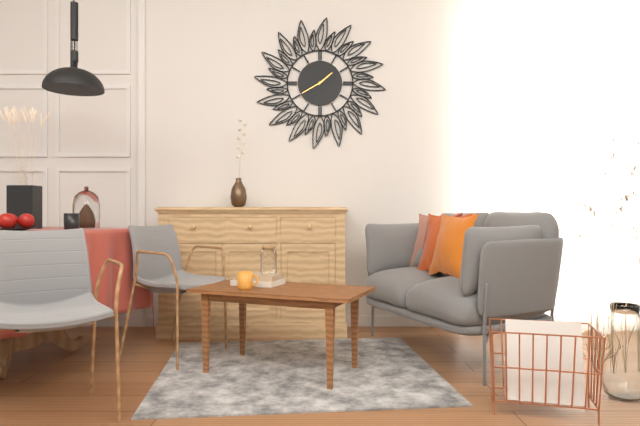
1h40
